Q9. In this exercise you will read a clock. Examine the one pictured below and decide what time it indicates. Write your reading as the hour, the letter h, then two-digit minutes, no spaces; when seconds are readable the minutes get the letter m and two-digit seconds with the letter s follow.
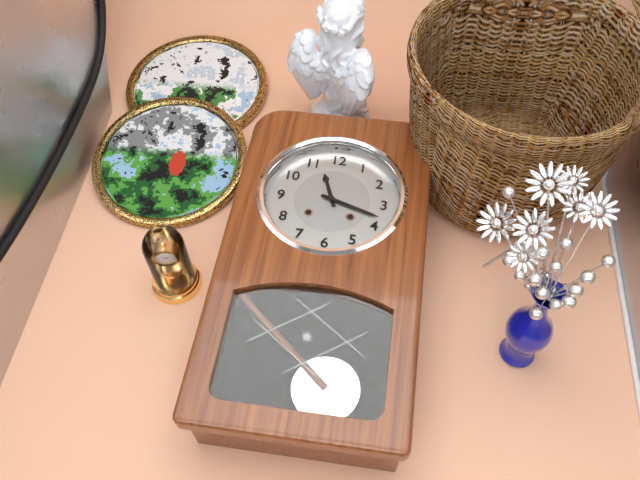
11h18
